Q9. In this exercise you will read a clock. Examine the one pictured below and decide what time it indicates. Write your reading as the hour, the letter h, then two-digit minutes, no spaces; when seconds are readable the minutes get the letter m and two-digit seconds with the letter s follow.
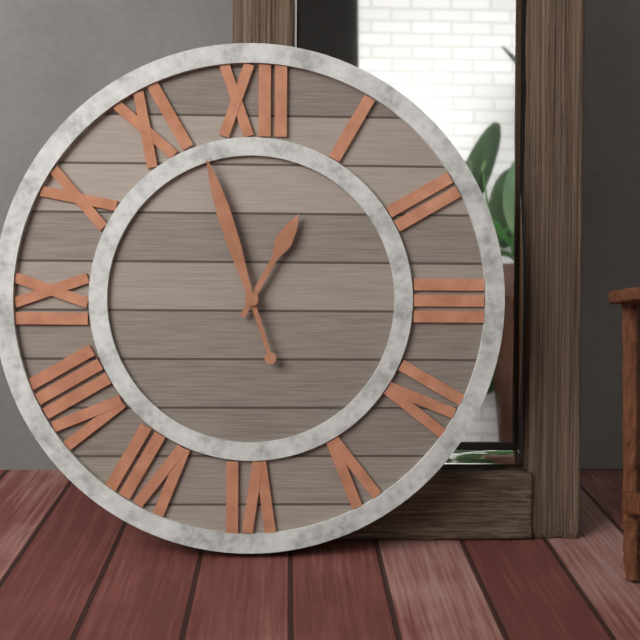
12h57
